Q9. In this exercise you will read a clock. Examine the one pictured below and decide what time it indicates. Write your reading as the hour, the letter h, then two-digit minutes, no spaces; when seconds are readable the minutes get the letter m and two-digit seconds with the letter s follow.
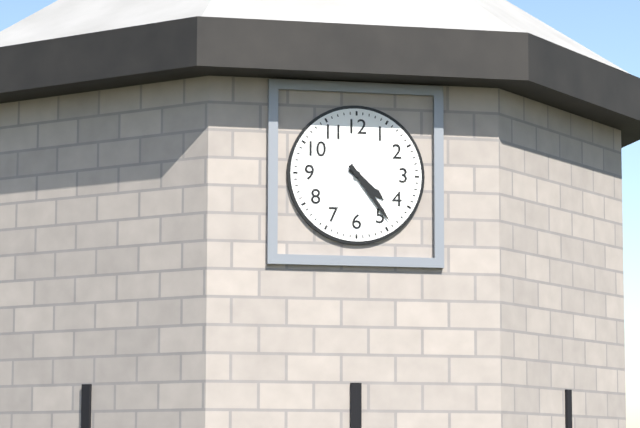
4h24
